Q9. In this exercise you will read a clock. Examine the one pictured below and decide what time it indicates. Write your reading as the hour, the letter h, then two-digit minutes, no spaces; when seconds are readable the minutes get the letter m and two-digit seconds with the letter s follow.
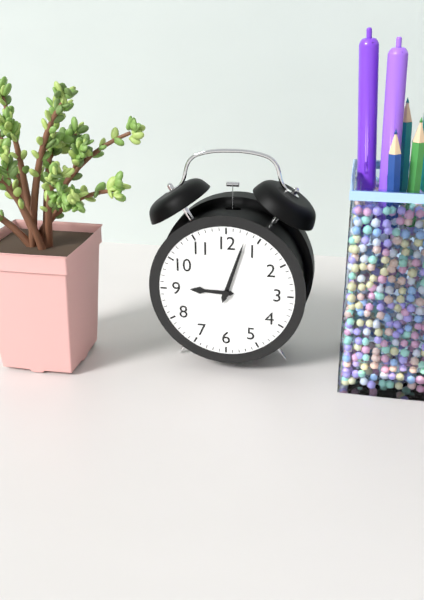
9h03
